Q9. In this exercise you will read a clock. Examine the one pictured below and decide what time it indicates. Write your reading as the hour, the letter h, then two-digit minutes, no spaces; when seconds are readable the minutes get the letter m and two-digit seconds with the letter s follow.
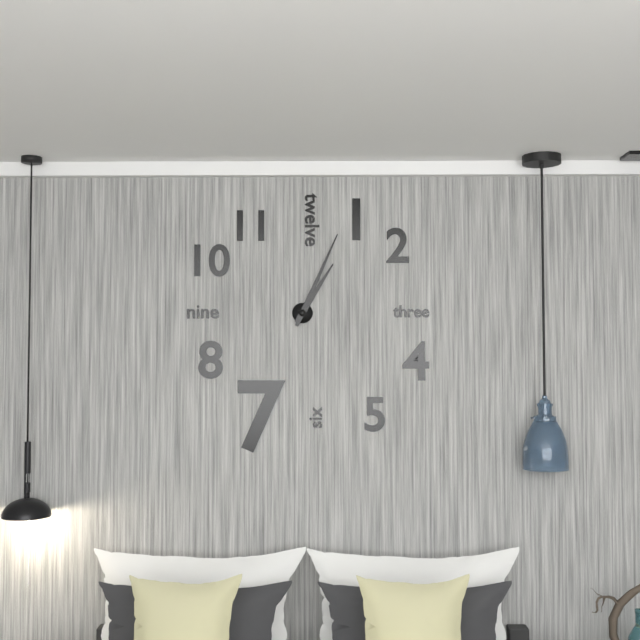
1h04
